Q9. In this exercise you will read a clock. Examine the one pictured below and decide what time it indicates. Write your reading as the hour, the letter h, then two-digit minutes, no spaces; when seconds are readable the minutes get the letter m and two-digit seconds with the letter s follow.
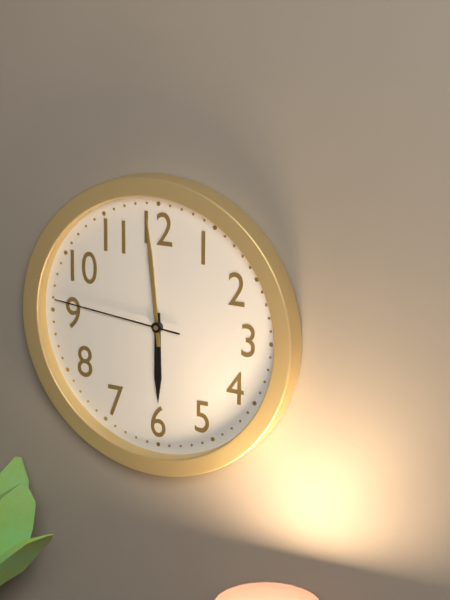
5h59m46s
